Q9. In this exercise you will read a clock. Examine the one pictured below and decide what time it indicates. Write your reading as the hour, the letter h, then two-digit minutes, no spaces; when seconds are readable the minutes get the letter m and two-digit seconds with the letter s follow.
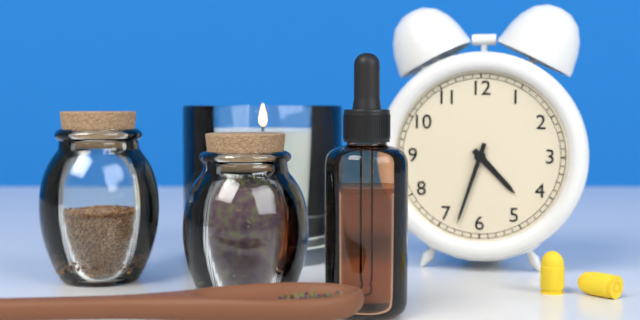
4h33
